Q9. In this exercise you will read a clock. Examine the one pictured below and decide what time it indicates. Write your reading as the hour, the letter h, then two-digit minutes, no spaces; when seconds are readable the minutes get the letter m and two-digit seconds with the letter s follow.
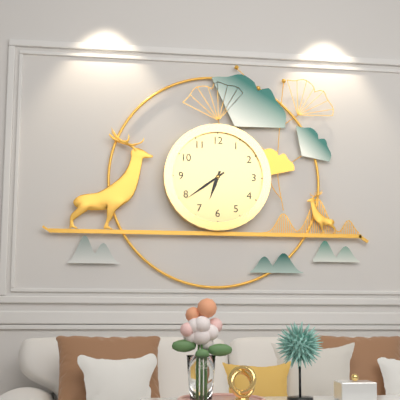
6h39
